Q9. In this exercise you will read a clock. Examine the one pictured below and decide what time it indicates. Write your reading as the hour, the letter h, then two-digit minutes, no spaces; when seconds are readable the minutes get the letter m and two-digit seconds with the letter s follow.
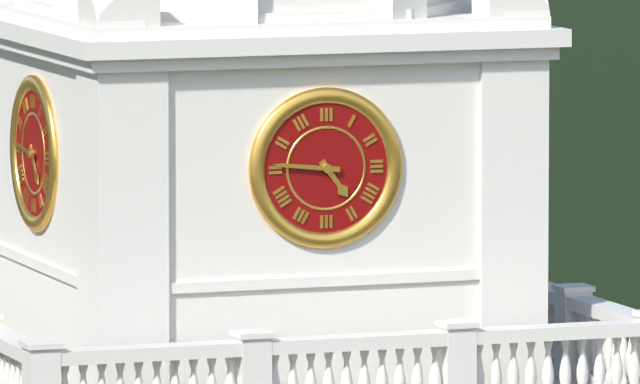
4h46
